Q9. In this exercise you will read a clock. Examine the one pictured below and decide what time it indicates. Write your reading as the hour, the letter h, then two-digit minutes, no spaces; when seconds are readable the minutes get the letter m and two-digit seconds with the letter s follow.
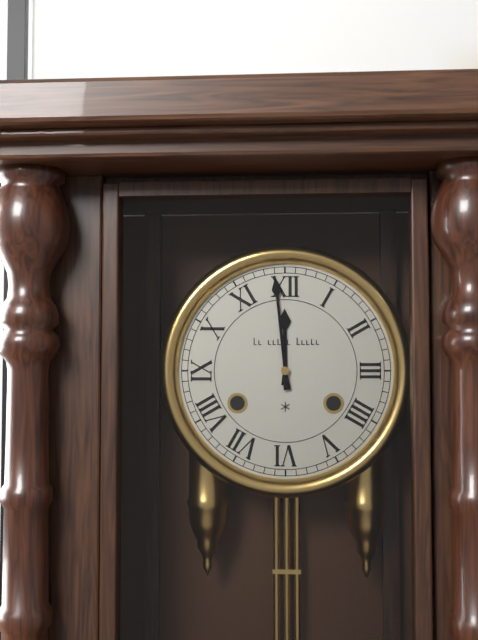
11h59
